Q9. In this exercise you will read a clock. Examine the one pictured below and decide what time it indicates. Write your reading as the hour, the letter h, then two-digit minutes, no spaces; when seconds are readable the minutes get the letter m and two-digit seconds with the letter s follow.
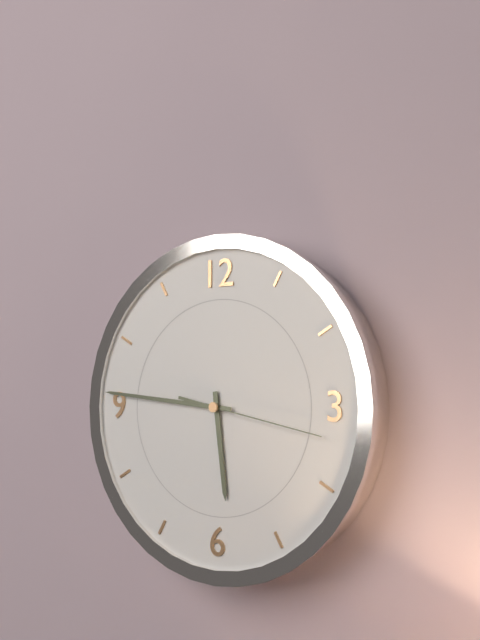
5h46m17s
